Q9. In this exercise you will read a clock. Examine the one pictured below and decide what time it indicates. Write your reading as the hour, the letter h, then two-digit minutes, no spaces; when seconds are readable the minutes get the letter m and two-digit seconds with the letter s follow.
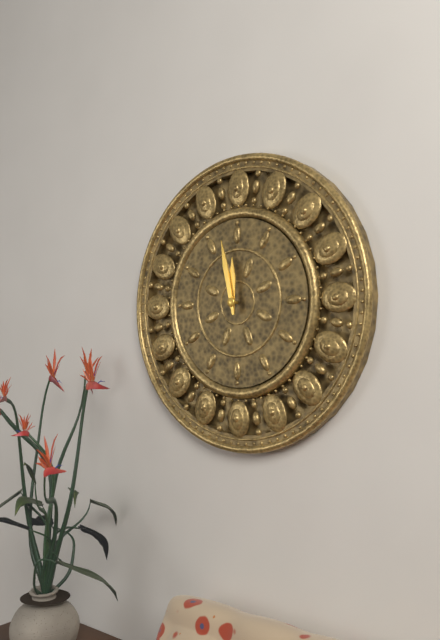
11h58
